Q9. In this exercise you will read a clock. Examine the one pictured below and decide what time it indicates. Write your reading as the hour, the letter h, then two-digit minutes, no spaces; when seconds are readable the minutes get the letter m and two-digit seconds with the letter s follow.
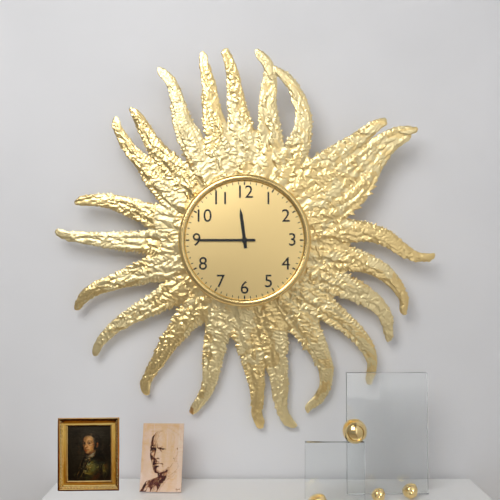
11h45
